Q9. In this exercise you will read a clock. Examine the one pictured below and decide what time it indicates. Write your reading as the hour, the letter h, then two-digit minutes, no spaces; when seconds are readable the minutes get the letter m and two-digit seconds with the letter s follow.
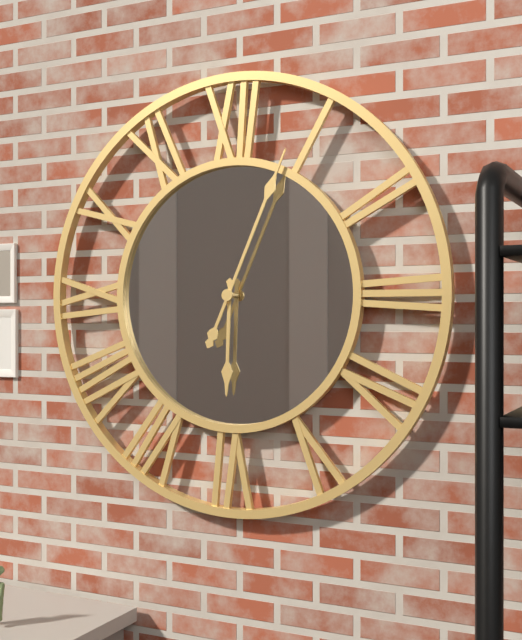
6h04
